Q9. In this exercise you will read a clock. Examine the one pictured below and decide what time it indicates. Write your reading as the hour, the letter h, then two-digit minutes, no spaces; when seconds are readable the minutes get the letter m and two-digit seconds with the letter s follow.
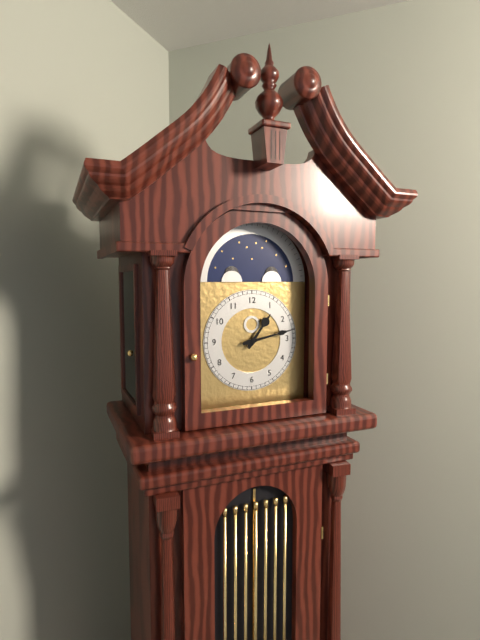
1h13
